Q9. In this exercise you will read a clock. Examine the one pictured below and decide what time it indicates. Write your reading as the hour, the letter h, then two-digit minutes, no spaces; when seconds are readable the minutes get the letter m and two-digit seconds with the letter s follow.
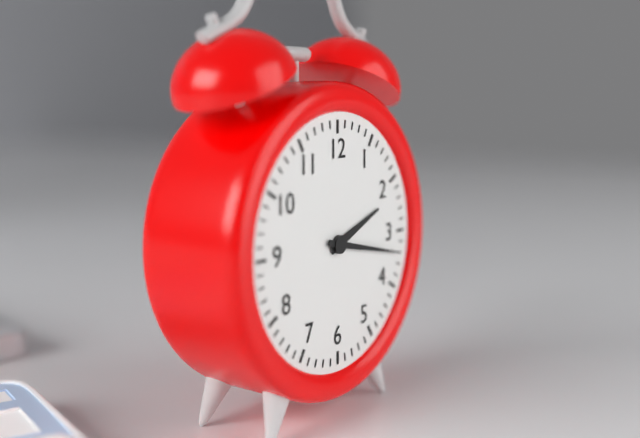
2h17
